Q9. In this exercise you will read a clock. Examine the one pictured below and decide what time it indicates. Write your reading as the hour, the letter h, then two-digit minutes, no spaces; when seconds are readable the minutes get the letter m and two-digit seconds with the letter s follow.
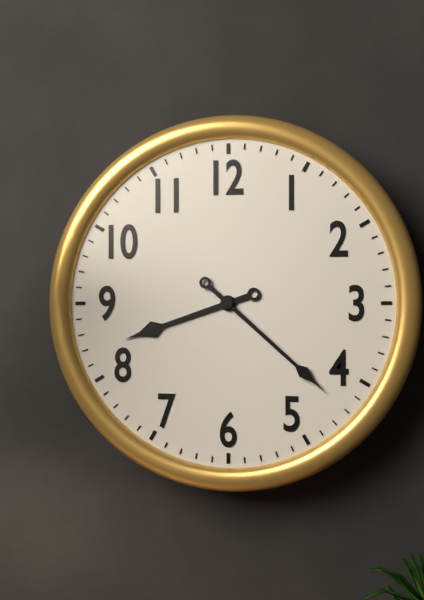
8h22
